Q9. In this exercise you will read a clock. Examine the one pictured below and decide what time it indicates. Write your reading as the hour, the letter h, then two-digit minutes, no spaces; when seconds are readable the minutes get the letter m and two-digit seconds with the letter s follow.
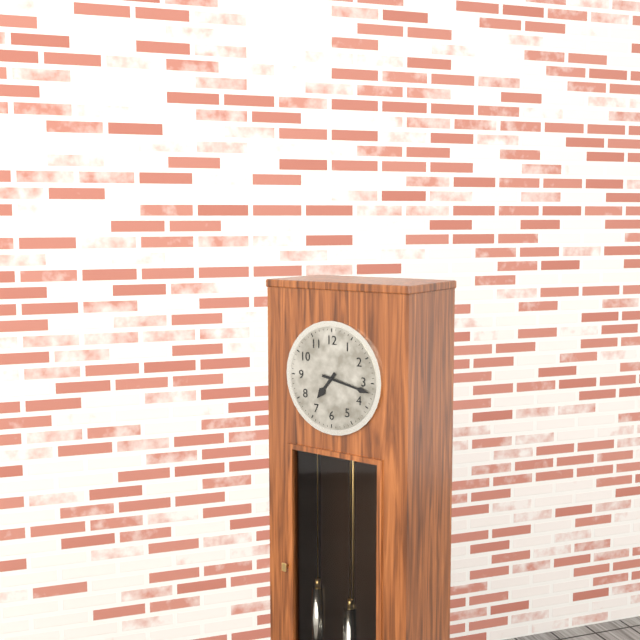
7h17
